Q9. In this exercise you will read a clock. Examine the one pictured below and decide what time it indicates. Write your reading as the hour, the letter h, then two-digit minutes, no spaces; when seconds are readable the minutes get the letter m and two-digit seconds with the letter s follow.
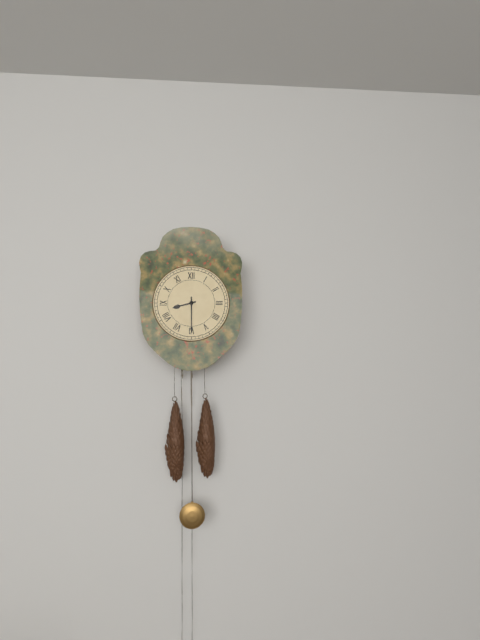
8h30
